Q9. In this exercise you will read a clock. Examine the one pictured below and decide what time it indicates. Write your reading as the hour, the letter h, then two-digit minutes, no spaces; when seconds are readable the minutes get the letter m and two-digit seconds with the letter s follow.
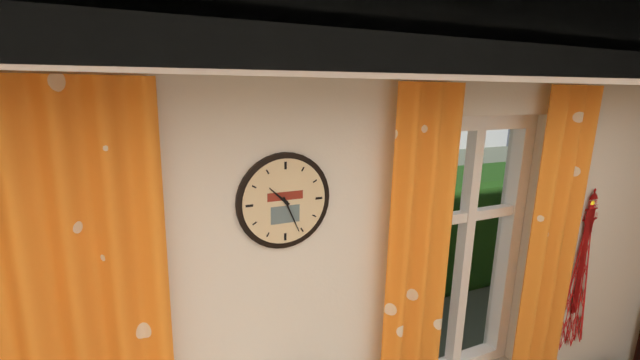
10h26
